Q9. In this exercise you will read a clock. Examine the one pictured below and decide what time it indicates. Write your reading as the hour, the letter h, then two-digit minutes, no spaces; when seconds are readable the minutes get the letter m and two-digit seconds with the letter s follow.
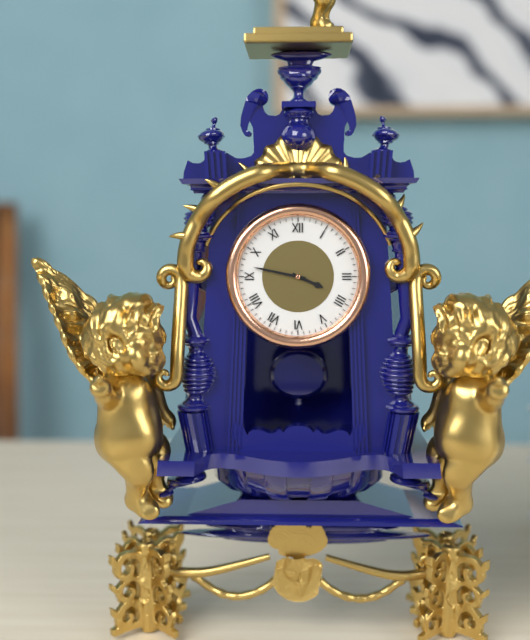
3h47
